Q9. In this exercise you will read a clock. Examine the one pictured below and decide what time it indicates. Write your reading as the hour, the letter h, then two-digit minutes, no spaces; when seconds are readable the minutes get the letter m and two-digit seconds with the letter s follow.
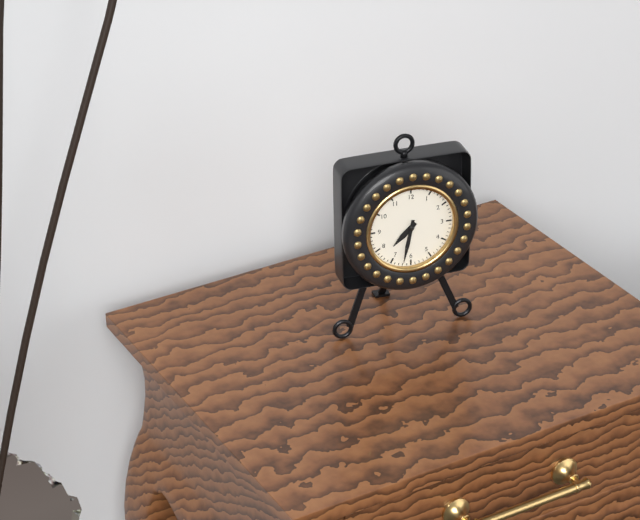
7h32
